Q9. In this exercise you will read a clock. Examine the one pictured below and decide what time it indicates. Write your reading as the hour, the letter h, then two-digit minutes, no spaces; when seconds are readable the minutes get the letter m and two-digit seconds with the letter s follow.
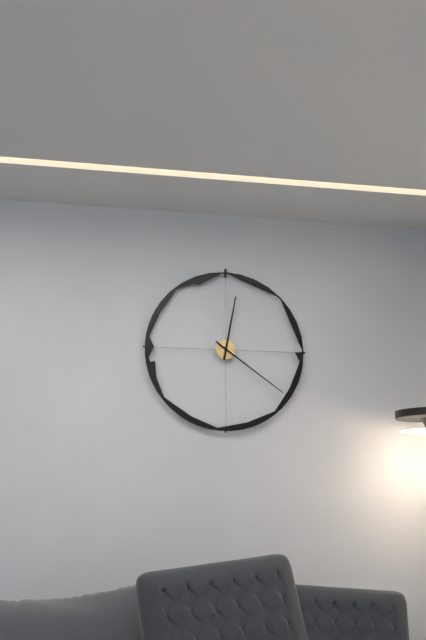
12h21
